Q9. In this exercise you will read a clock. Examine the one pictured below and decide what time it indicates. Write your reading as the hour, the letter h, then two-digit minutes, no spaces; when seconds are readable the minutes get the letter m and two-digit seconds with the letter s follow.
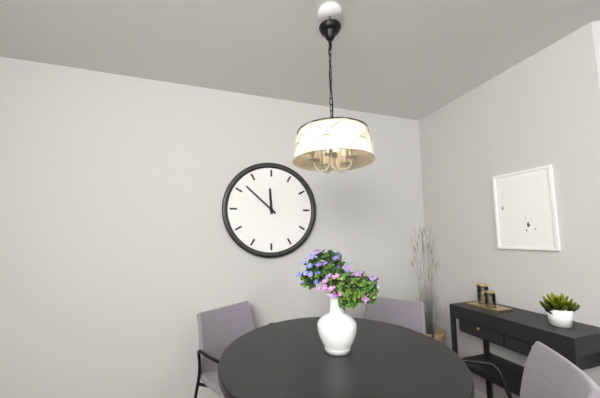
11h52
